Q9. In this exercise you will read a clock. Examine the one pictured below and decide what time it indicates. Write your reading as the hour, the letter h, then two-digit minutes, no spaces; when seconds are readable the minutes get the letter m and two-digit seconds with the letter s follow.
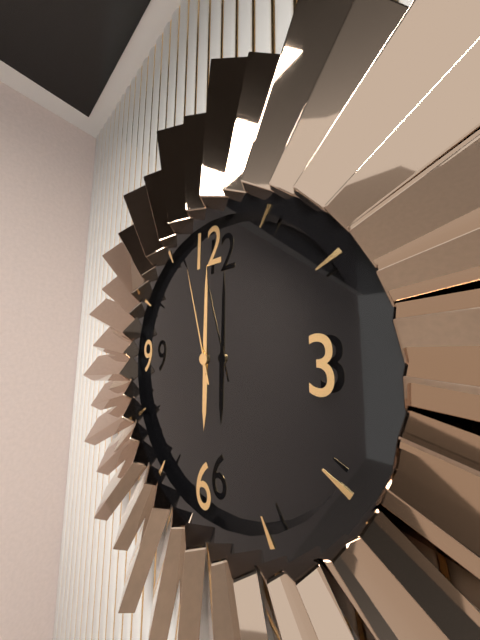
6h00m57s
